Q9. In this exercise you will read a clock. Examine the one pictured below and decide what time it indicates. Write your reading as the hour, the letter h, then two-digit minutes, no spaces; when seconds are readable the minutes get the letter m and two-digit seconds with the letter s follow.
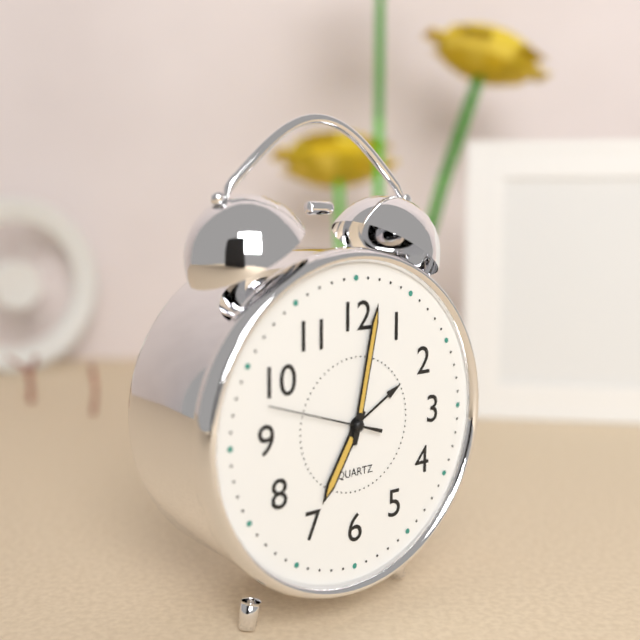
7h02m48s
